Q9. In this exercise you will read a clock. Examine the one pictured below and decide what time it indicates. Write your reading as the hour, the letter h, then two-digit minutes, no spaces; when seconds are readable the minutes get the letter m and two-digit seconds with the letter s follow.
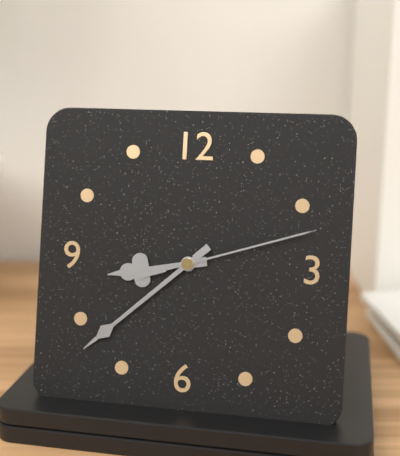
8h38m12s
